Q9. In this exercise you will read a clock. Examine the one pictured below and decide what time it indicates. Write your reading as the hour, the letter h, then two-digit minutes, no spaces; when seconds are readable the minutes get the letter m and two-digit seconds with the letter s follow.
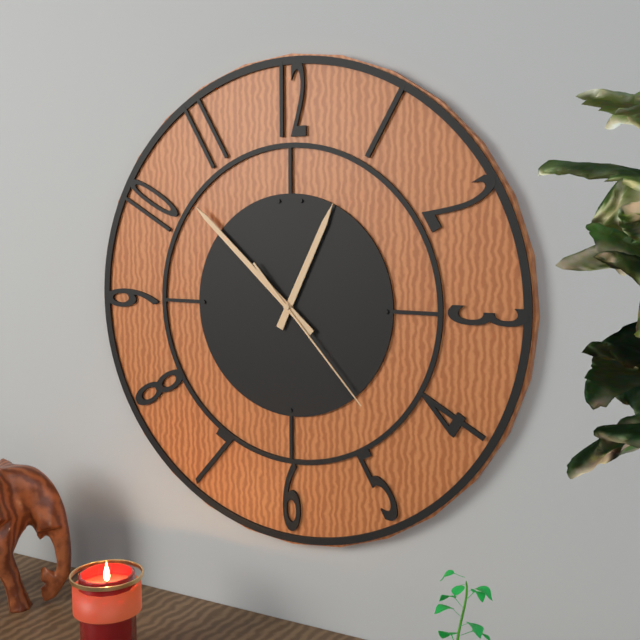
12h52m23s
